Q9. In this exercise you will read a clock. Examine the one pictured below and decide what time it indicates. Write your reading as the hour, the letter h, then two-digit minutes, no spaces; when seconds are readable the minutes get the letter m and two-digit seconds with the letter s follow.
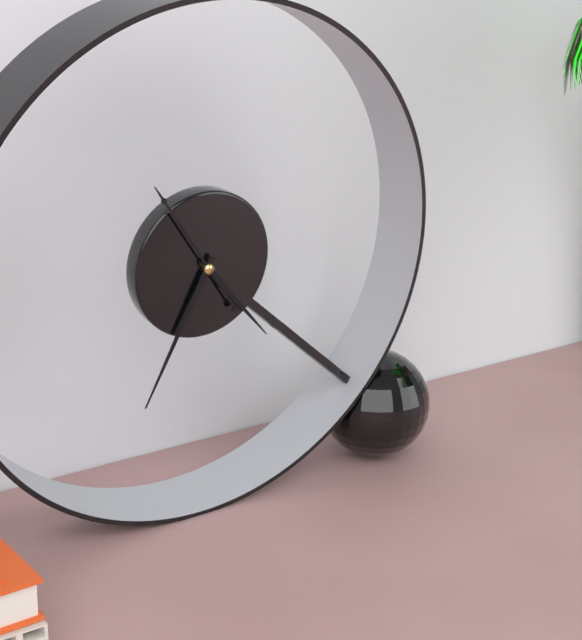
4h34m54s
